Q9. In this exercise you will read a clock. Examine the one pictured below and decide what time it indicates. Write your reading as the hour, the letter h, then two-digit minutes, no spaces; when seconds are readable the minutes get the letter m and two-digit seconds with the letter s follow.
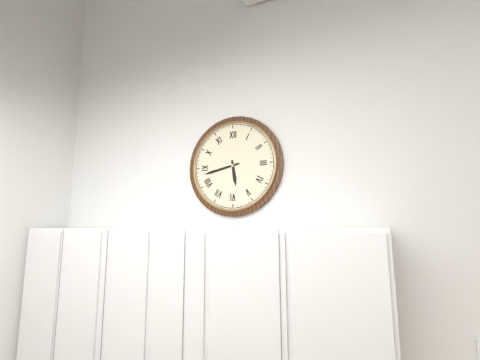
5h43
